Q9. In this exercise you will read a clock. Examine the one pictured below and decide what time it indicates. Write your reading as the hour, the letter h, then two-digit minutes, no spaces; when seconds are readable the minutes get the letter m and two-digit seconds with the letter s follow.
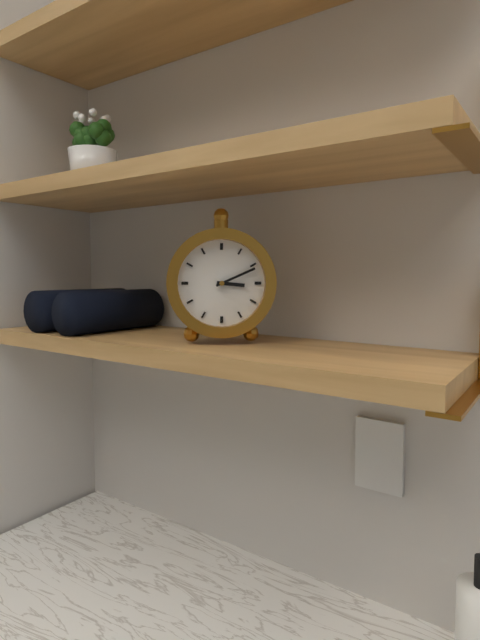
3h11
